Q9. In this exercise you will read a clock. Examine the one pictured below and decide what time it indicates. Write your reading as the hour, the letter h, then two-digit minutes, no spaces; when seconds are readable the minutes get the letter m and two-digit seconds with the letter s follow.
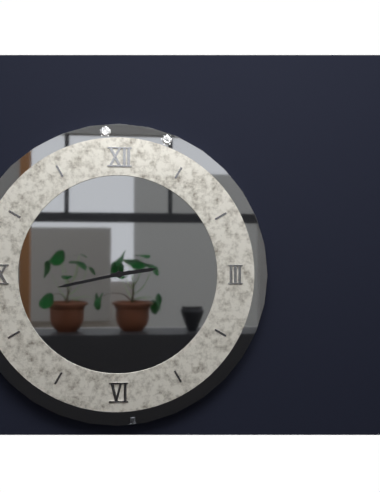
2h43
